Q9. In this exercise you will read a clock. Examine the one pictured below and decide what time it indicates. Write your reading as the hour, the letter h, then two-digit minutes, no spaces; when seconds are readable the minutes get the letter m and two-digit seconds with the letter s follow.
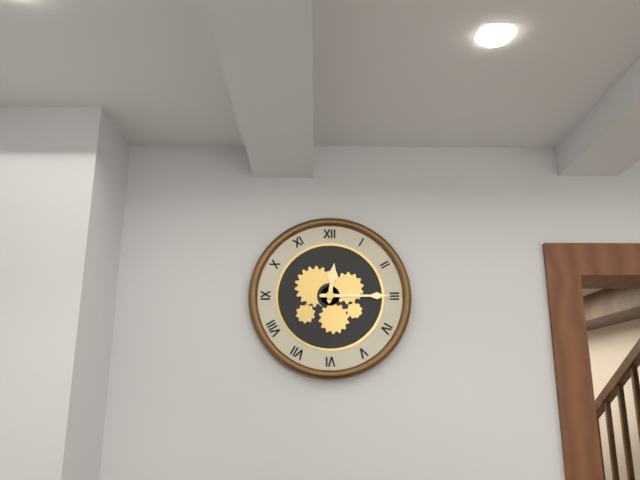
12h15
